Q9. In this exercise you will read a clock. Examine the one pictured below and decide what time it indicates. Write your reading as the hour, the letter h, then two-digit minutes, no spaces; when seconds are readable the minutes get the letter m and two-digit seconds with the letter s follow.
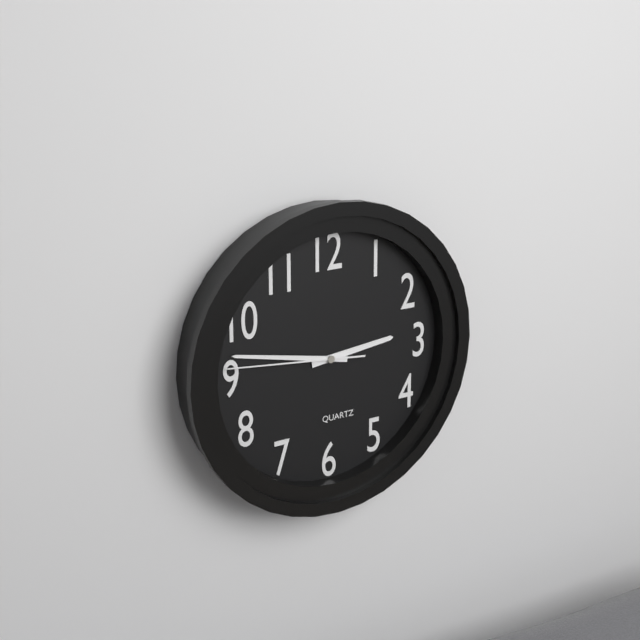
2h47m46s
